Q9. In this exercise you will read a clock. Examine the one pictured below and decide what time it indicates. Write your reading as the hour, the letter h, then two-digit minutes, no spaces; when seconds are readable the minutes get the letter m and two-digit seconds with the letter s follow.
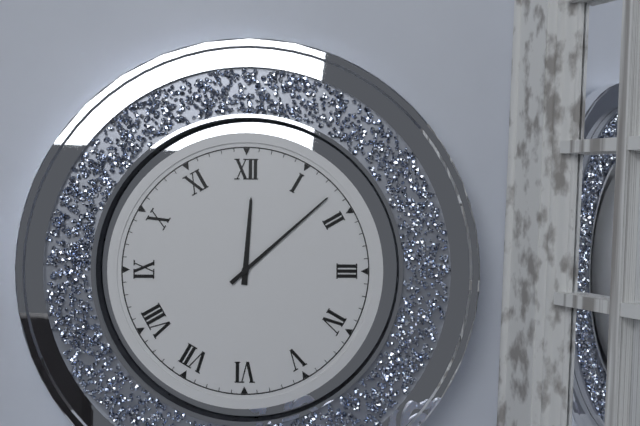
12h08
